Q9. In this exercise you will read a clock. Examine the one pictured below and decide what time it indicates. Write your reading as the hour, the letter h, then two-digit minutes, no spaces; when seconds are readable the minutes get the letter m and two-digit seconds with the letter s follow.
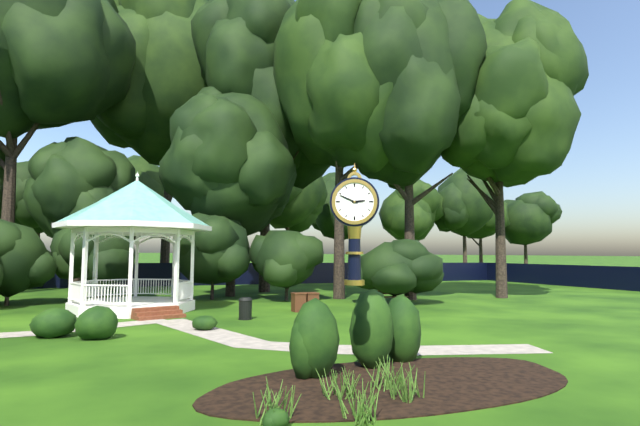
2h49
